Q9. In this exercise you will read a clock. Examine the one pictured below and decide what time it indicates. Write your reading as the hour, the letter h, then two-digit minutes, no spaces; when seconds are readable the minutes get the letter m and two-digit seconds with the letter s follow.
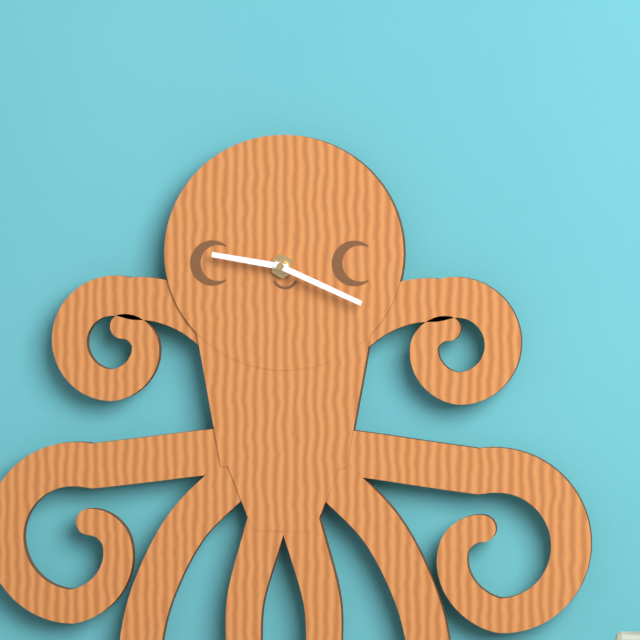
9h19
